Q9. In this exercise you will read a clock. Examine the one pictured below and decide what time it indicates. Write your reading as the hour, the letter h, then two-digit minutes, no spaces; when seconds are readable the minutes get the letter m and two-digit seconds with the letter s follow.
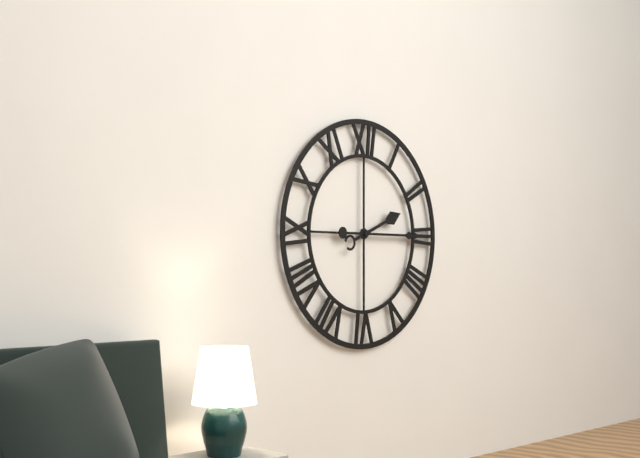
2h15
